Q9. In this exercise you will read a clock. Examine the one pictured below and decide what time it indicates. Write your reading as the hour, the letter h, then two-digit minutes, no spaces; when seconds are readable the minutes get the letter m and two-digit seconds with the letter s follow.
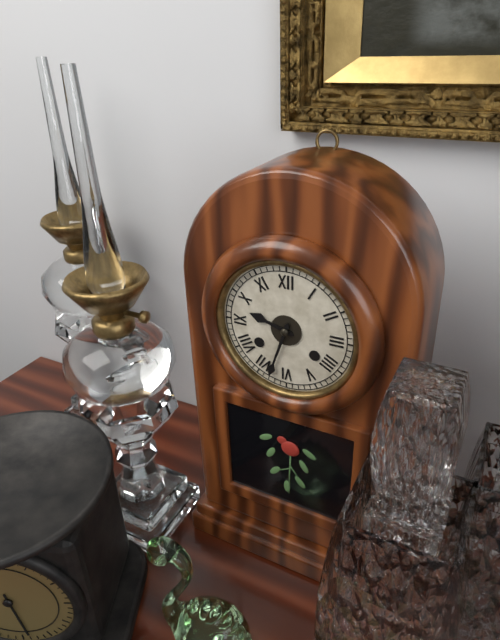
9h33
